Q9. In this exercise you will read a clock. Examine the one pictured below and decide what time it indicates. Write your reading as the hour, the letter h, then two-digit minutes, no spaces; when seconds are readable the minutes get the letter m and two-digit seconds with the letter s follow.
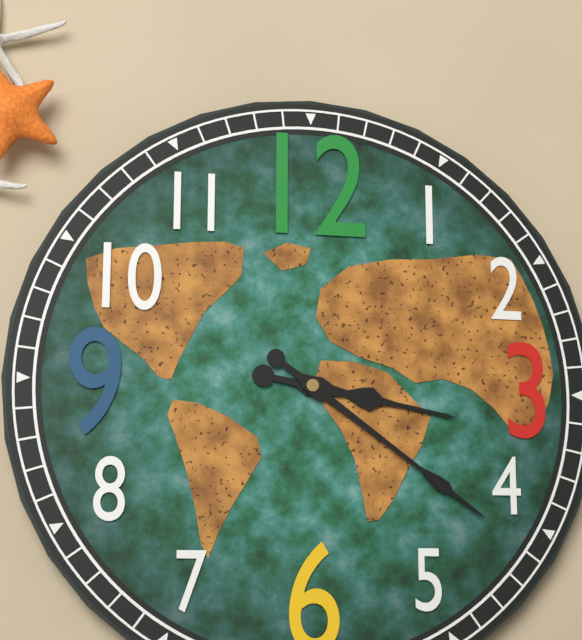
3h21
